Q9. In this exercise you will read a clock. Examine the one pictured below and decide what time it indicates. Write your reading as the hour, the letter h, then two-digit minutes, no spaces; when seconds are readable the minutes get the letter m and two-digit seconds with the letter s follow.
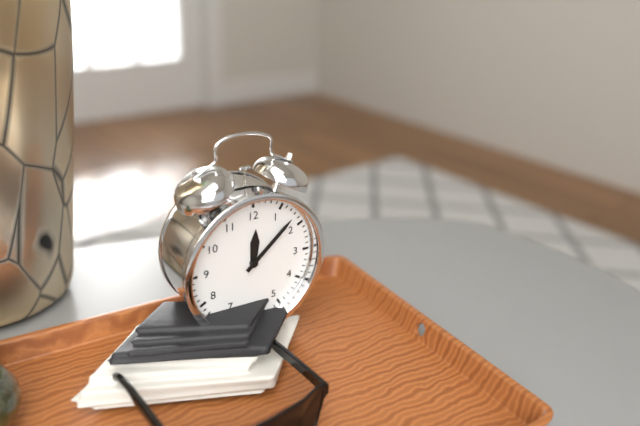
12h08
